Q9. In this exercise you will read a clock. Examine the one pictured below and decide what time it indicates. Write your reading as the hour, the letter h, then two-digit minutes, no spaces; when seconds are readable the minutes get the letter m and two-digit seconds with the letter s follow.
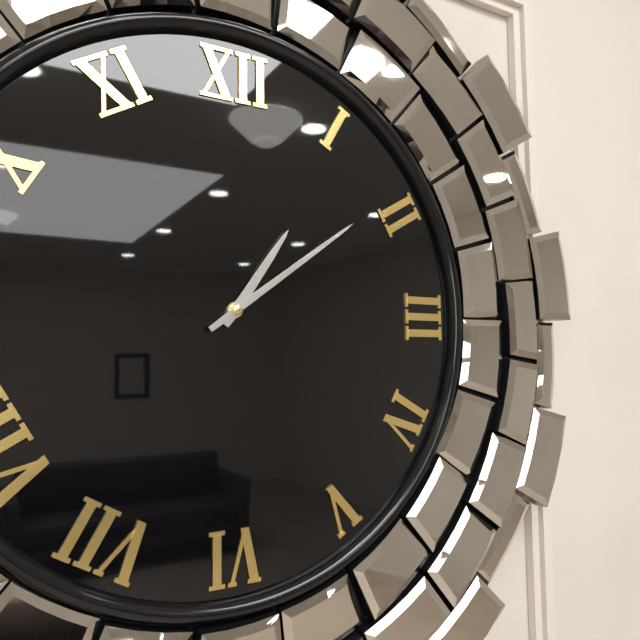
1h09
